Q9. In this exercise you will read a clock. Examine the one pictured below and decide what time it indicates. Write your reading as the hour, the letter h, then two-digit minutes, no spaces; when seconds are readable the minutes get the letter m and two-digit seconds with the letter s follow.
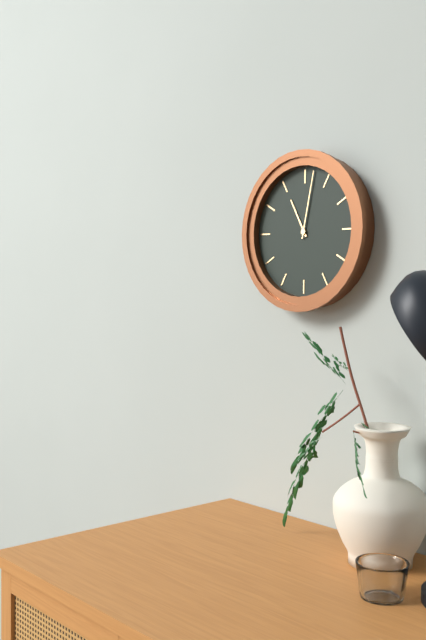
11h02
